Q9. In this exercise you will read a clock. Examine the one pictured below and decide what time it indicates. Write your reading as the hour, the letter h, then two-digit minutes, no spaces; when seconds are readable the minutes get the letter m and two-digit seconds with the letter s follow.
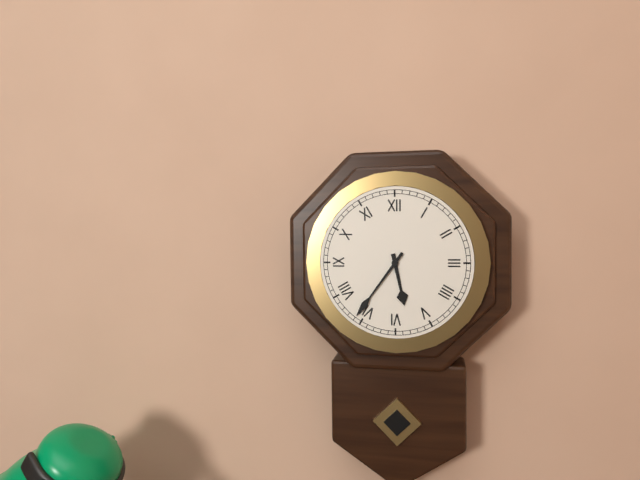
5h36
